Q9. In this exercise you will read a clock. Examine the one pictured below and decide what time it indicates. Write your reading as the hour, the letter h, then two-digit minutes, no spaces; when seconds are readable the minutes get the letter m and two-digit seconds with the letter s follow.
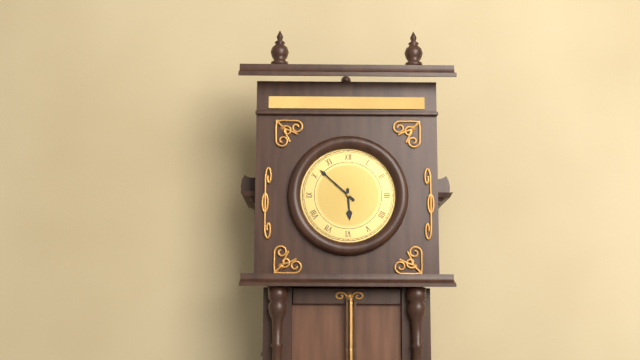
5h52
